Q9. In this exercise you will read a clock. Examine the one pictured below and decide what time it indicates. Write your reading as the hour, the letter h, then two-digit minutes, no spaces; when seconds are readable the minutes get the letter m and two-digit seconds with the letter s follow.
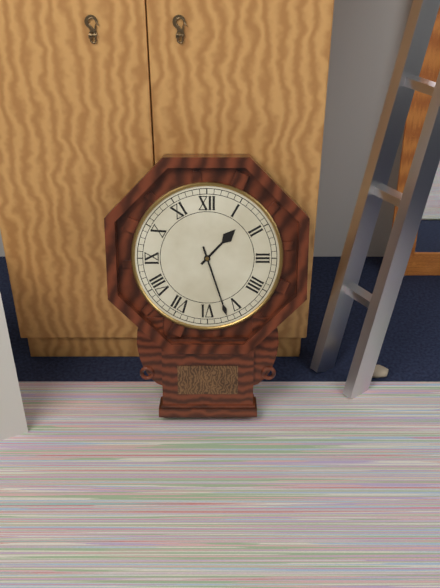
1h27
